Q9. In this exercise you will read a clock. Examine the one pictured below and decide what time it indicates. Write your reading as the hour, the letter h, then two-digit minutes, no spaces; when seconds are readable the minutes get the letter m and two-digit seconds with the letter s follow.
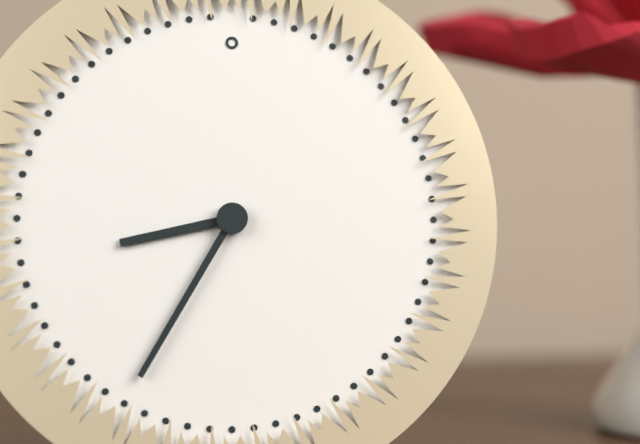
8h35
